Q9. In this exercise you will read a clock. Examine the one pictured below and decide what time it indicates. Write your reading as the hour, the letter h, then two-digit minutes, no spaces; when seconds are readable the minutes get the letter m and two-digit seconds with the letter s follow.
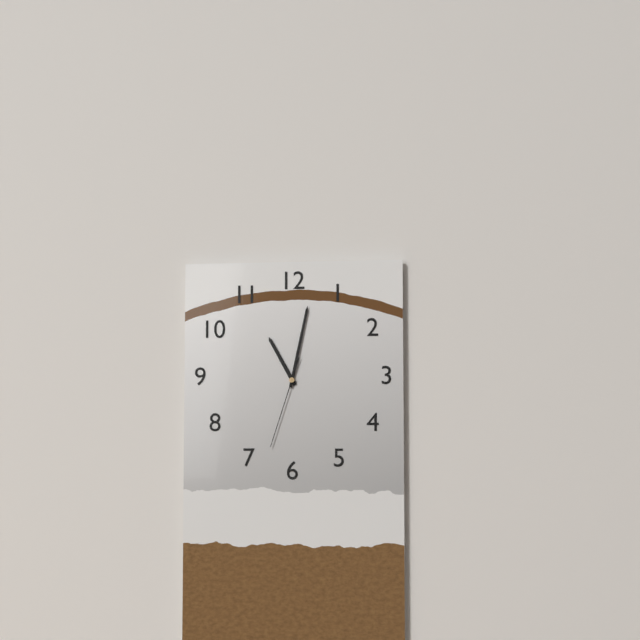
11h02m33s
